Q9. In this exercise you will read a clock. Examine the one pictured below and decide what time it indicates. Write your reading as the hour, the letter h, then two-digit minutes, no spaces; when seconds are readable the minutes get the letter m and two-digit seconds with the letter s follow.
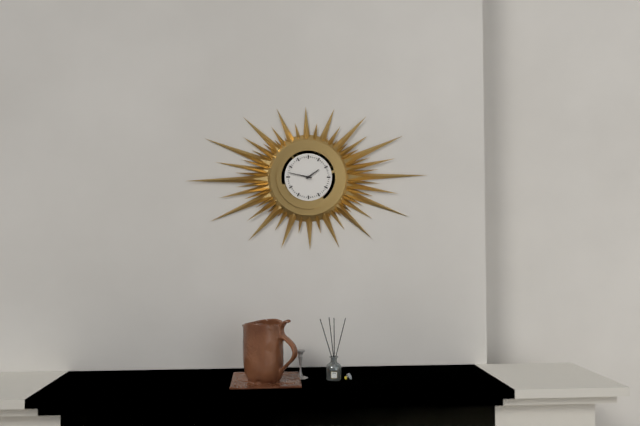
1h47
